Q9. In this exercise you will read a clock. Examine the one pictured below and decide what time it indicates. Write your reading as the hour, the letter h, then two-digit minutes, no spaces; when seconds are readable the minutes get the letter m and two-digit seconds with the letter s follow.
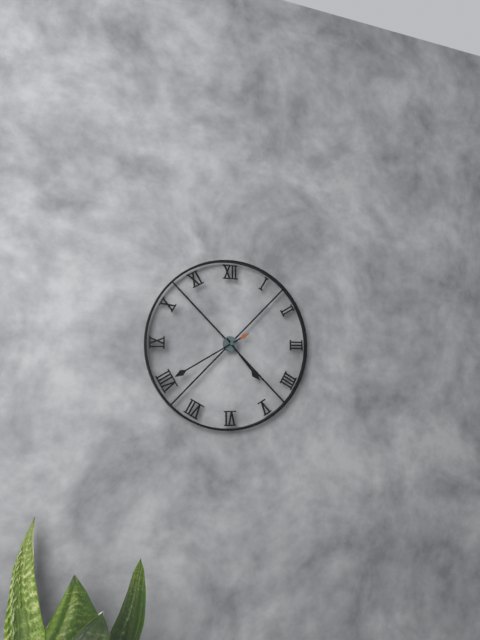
4h40
